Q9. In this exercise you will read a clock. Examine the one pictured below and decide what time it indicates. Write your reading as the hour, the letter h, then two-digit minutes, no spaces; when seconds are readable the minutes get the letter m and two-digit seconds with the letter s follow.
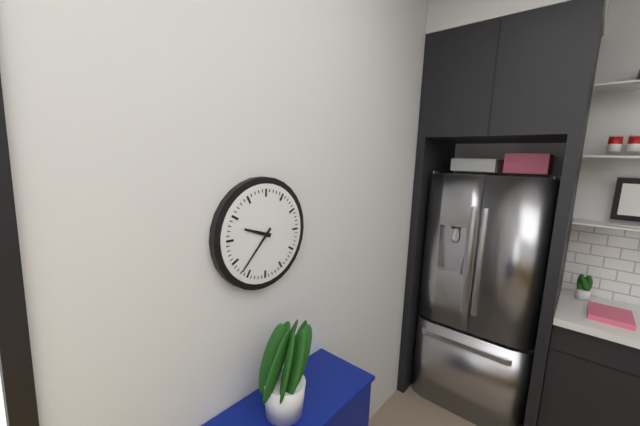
9h37
